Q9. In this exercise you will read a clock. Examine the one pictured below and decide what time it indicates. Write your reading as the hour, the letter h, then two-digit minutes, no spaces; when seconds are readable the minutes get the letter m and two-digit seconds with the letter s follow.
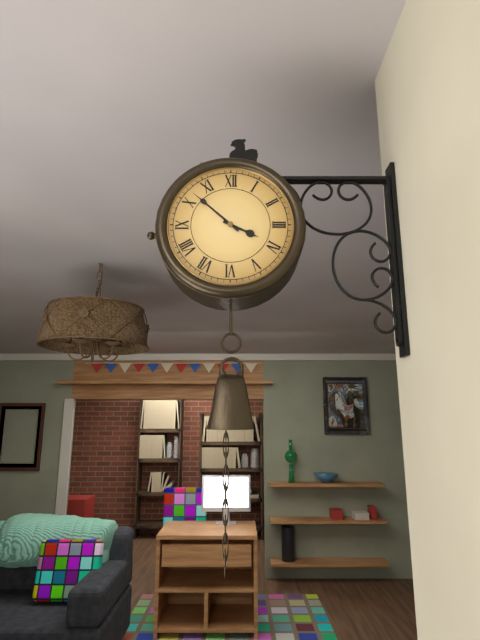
3h52
